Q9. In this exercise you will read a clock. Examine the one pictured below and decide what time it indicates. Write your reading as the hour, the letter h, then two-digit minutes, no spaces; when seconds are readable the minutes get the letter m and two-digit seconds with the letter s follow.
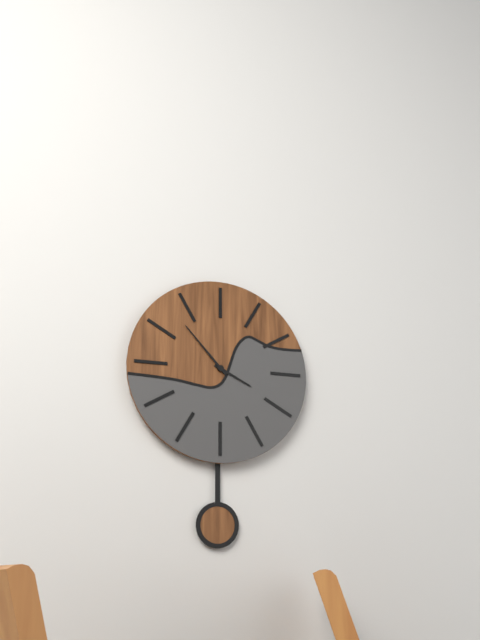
3h53
